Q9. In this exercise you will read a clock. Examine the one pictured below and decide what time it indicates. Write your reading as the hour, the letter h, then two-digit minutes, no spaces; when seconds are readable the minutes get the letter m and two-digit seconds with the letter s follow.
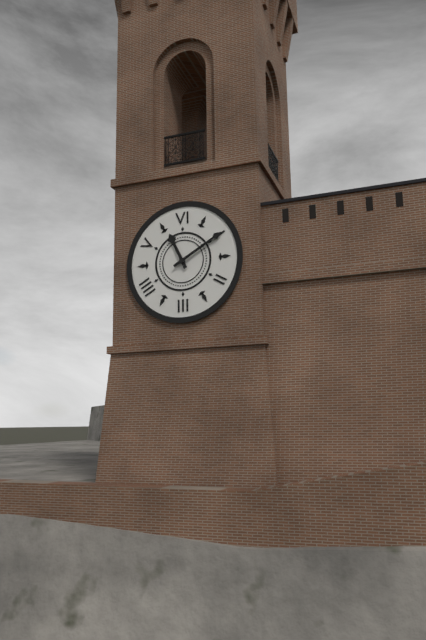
11h10
